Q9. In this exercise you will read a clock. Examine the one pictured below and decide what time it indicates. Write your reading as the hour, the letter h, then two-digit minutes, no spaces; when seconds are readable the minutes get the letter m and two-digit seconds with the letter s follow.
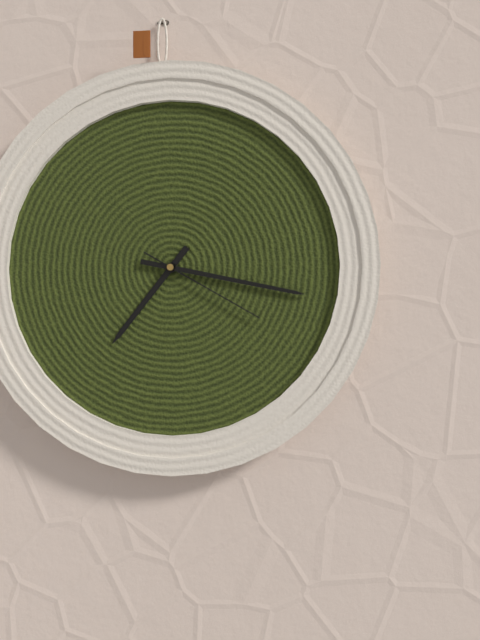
7h17m20s
